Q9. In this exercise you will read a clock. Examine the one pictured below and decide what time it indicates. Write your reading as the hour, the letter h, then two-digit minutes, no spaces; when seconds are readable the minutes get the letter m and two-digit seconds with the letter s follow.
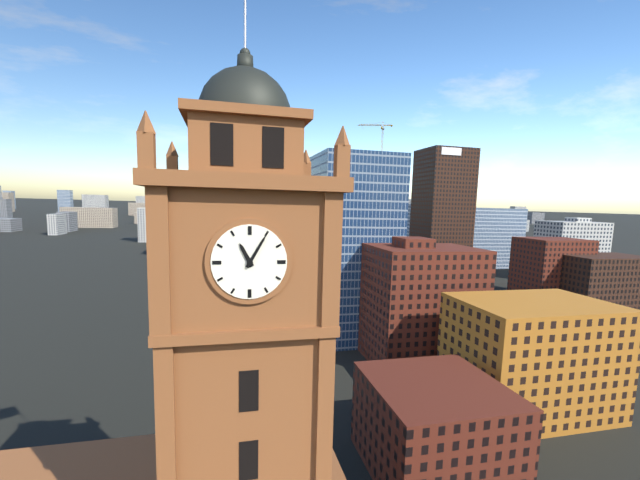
11h05
